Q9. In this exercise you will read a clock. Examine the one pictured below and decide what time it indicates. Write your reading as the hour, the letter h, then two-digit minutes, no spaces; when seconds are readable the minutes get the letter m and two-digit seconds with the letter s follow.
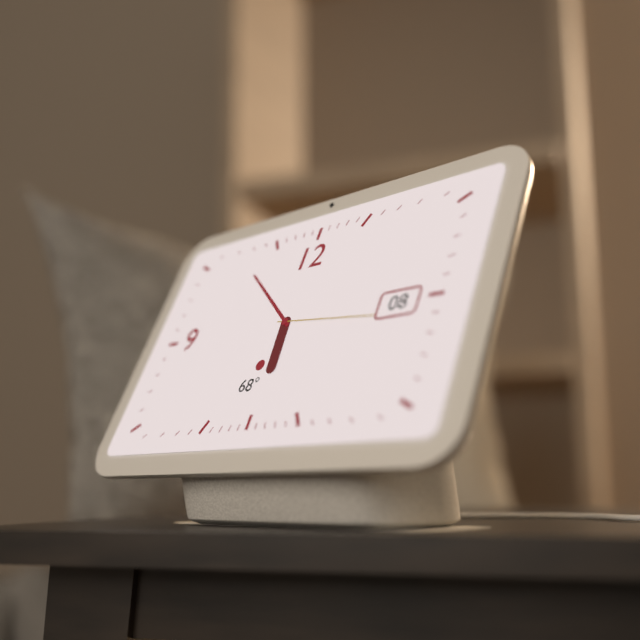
5h52m16s
